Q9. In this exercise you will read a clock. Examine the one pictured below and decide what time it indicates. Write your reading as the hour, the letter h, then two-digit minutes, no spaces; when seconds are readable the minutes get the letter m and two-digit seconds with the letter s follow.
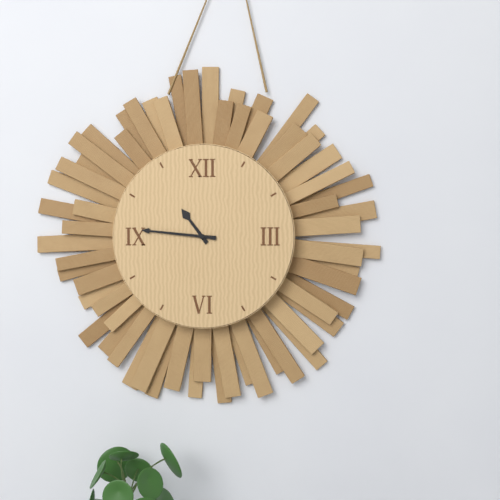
10h46
